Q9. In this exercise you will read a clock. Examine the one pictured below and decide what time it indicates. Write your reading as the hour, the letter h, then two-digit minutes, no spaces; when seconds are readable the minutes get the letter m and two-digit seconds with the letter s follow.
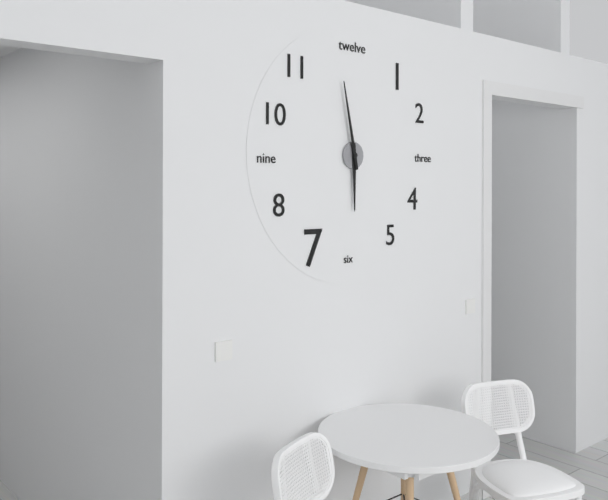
5h58
